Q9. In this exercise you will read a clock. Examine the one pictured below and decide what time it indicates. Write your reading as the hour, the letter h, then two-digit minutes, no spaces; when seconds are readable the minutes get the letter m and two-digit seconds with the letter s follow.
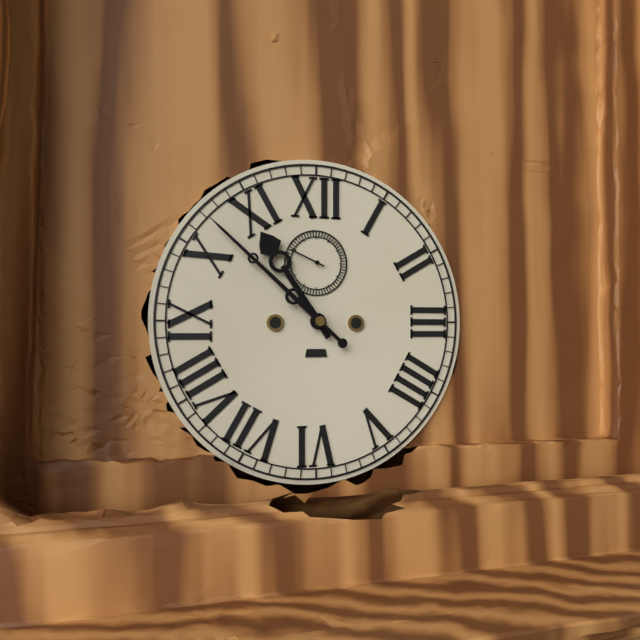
10h52
